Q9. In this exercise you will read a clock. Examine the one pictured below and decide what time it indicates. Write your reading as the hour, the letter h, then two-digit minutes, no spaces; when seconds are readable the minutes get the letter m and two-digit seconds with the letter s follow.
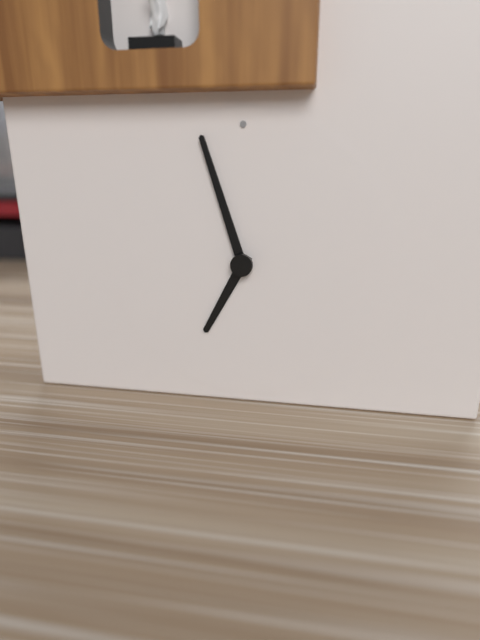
6h57
